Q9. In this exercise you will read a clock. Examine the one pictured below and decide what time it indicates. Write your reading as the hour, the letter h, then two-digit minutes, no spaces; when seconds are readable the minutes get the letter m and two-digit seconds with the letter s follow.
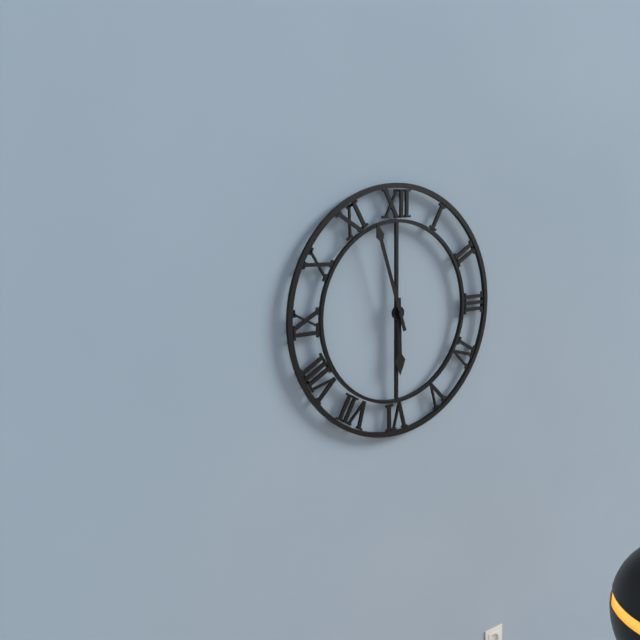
5h57
